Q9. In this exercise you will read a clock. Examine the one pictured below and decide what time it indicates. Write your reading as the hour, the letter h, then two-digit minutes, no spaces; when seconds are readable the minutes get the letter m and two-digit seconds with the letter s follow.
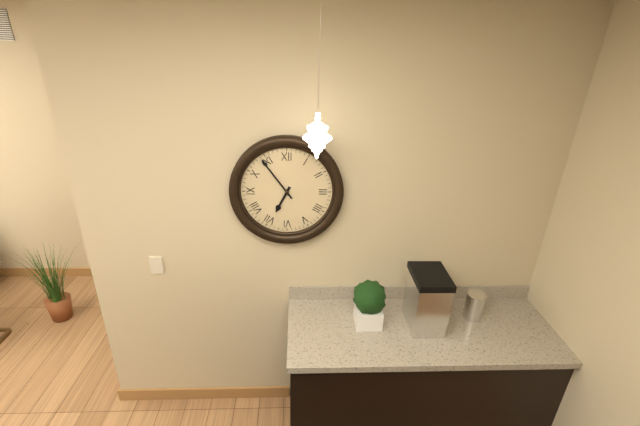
6h54
